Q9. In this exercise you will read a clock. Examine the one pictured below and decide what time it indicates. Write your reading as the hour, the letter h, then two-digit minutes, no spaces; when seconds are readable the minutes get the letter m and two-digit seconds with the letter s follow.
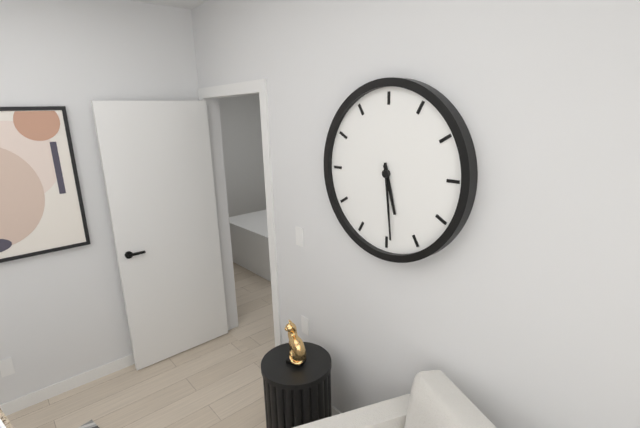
5h29
